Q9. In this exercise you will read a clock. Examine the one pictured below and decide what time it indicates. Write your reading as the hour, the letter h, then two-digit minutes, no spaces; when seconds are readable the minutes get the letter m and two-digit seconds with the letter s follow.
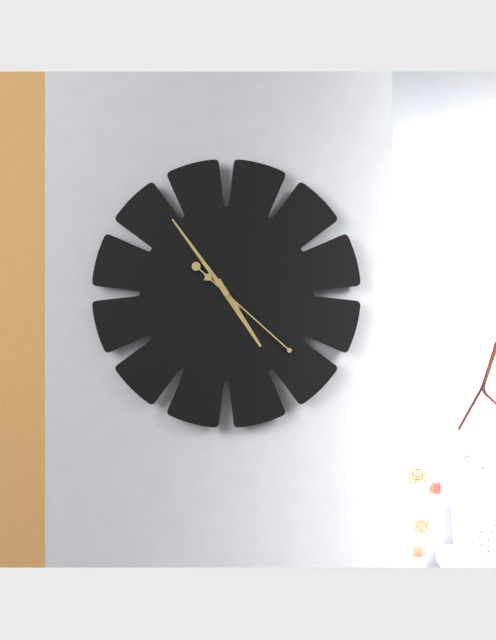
4h54m22s
